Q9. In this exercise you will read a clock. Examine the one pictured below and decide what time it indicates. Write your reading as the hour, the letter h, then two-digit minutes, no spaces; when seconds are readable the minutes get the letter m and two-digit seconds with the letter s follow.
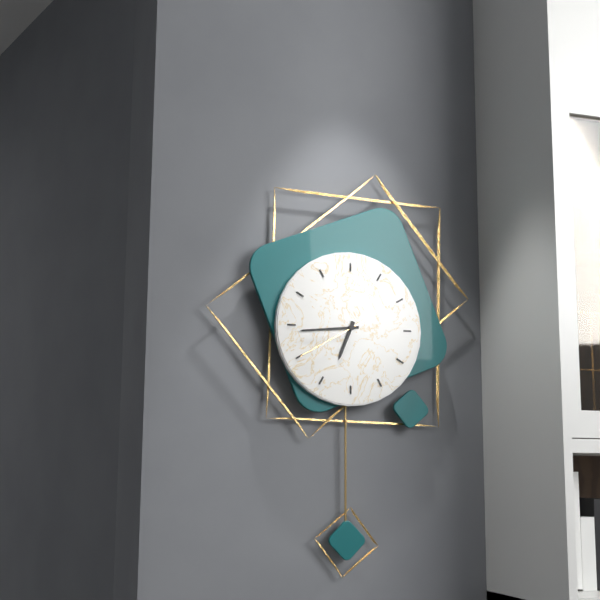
6h44m40s
